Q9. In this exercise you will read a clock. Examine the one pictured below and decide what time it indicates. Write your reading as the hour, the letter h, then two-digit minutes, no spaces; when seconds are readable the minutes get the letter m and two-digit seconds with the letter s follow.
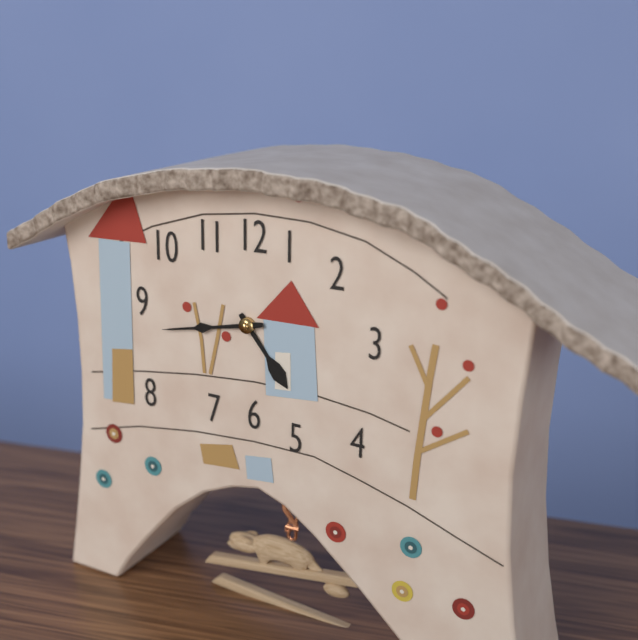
4h43
